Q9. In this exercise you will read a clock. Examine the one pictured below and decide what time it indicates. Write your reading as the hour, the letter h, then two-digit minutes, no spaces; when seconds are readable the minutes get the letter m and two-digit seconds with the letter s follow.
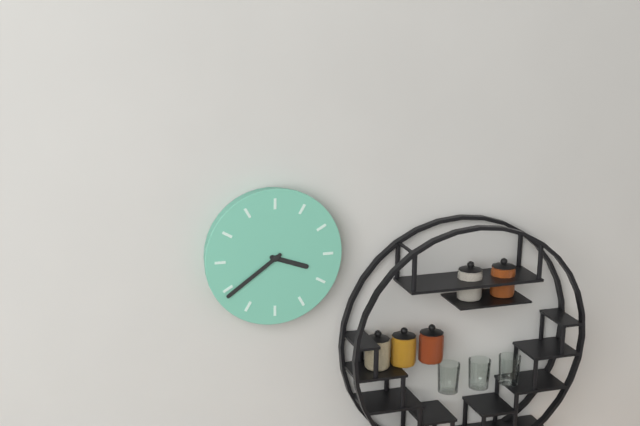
3h39
